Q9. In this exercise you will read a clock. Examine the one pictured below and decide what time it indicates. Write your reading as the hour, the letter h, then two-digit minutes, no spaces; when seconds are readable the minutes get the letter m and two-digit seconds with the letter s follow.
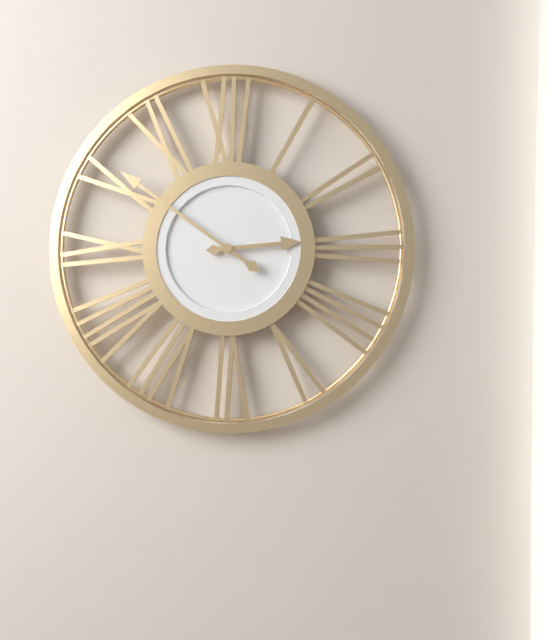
2h51
